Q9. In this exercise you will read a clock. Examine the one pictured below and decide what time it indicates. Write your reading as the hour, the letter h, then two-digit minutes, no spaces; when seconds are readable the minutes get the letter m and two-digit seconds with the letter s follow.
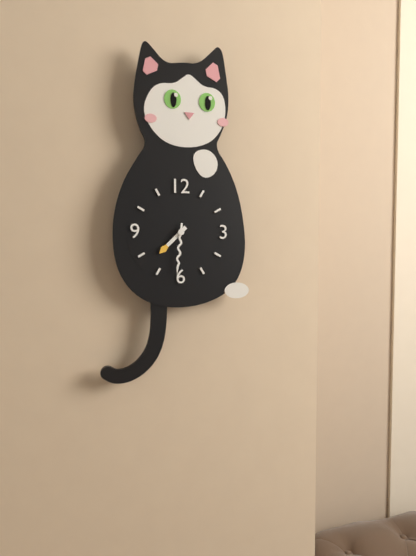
7h31
